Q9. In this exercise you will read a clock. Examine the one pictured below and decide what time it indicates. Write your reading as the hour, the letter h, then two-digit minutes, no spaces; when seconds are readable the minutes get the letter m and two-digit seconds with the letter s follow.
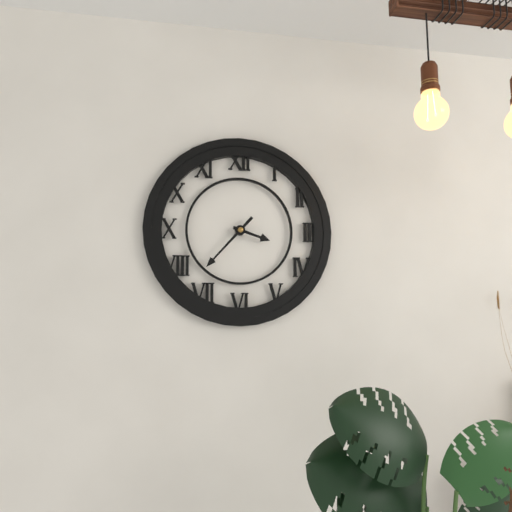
3h37
